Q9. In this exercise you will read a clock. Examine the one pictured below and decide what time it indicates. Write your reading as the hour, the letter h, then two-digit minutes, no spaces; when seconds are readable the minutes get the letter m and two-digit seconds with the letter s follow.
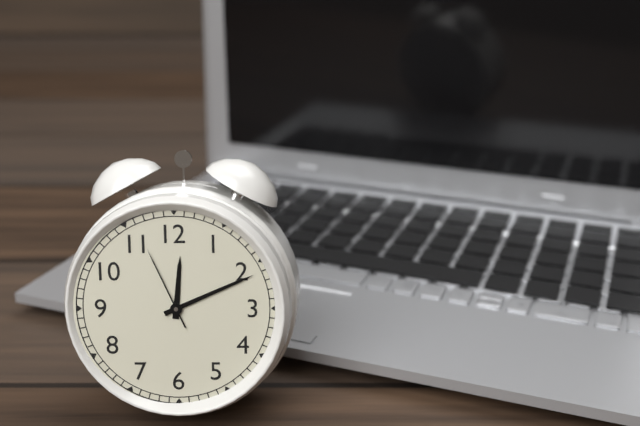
12h11m56s
